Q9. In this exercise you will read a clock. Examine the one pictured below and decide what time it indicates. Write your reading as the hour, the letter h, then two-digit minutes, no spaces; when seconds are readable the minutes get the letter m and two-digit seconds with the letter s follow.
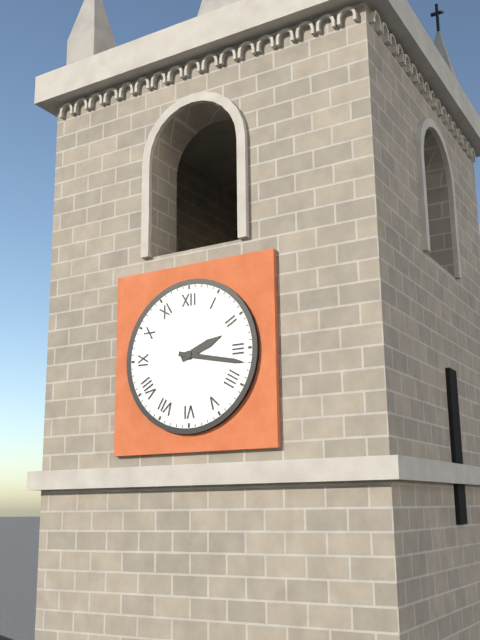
2h17
